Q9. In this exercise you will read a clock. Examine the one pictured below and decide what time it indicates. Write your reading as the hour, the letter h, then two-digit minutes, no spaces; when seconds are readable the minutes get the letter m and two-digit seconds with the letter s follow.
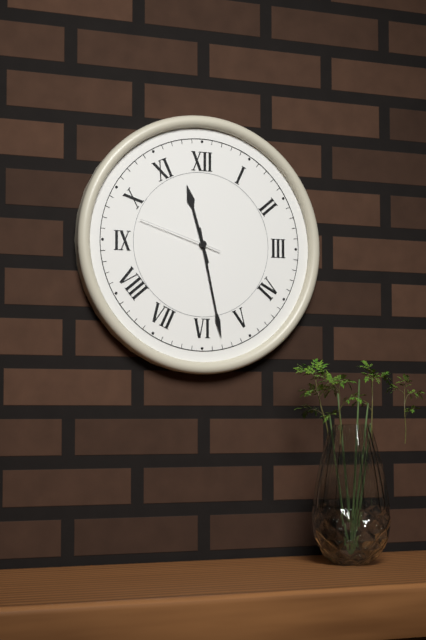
11h28m48s
